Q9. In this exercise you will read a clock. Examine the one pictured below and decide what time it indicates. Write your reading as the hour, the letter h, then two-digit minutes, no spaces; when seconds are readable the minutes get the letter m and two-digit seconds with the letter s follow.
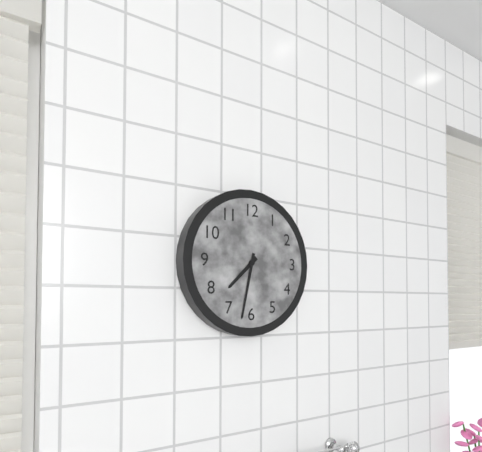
7h32
